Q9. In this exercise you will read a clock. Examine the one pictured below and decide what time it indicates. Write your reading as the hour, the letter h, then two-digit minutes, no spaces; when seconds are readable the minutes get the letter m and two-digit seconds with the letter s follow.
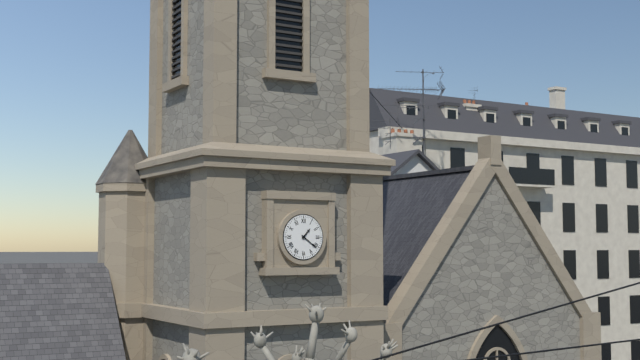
1h21
